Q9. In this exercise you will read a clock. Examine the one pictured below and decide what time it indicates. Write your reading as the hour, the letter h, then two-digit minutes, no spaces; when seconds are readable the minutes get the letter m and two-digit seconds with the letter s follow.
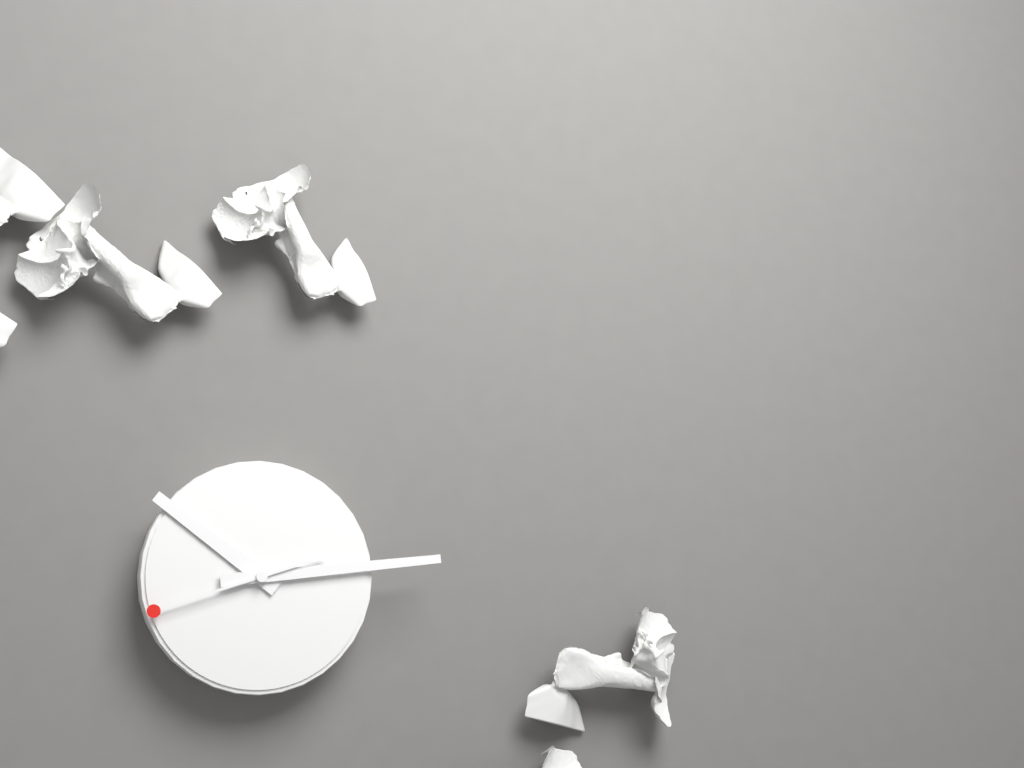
10h14m42s
